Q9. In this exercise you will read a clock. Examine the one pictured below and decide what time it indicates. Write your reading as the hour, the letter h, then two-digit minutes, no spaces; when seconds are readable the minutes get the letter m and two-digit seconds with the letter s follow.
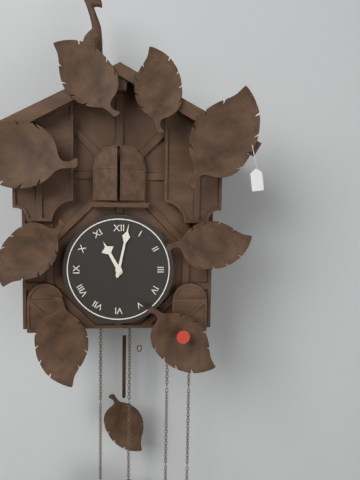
11h02
